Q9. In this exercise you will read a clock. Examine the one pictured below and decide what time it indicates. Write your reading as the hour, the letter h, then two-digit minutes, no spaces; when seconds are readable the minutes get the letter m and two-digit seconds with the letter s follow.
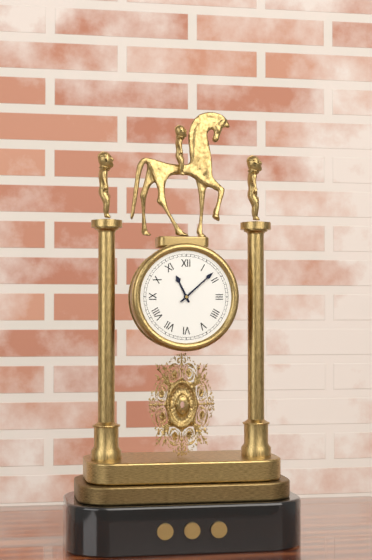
11h08
